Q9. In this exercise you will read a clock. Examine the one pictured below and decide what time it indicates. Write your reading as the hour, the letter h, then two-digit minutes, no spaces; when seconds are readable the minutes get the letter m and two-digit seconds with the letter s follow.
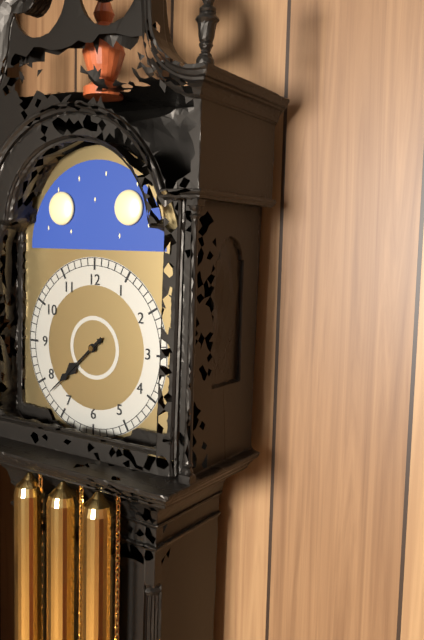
7h38
